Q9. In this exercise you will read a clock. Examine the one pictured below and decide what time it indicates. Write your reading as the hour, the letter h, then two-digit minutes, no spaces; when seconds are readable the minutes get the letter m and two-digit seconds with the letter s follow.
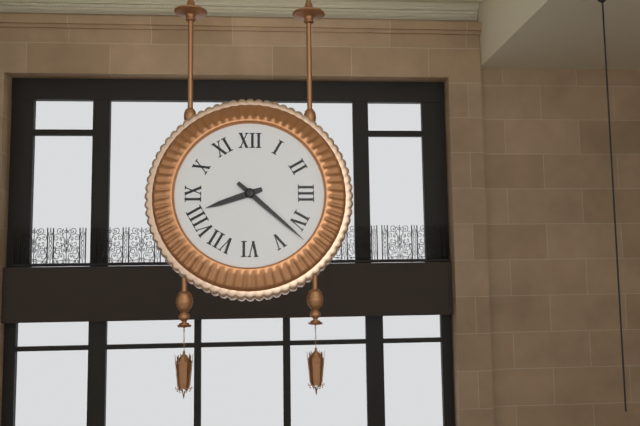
8h22
